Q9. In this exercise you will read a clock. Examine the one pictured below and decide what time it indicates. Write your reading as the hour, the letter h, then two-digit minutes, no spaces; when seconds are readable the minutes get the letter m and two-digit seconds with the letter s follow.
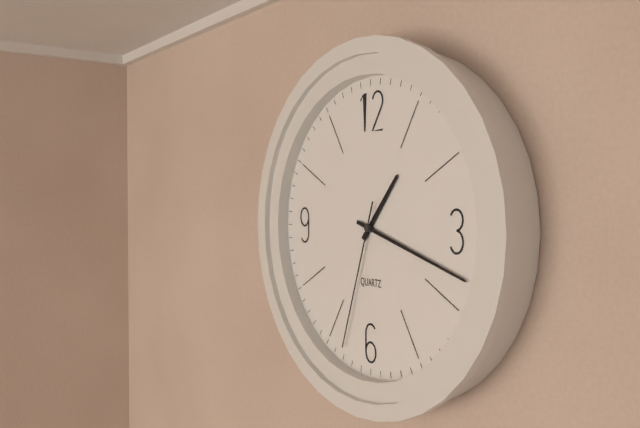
1h18m33s
